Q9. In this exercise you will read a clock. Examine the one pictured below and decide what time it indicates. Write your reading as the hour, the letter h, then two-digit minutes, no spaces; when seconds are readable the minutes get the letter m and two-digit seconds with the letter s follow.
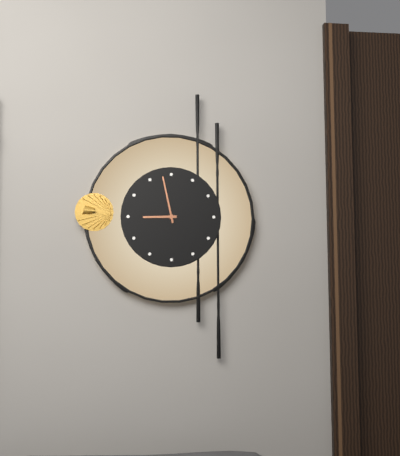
8h58
